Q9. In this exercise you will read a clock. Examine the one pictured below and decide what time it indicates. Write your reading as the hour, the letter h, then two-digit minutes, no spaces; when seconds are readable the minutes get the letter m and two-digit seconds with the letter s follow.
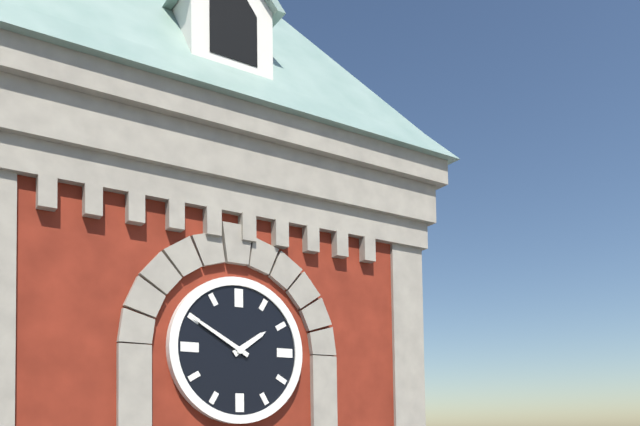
1h50
